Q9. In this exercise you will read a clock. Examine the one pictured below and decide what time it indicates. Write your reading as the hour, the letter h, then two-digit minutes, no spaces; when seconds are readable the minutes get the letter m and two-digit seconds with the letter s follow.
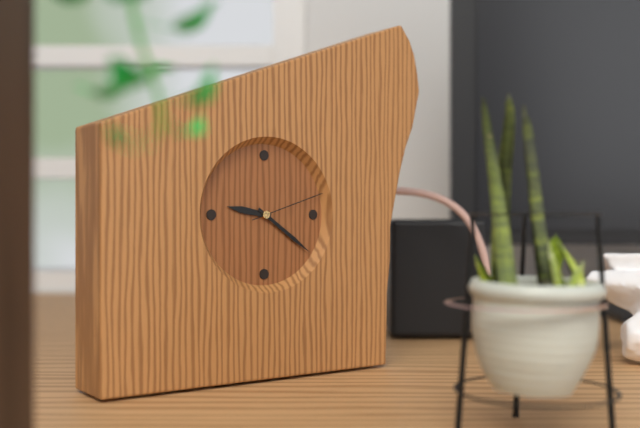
9h21m12s
